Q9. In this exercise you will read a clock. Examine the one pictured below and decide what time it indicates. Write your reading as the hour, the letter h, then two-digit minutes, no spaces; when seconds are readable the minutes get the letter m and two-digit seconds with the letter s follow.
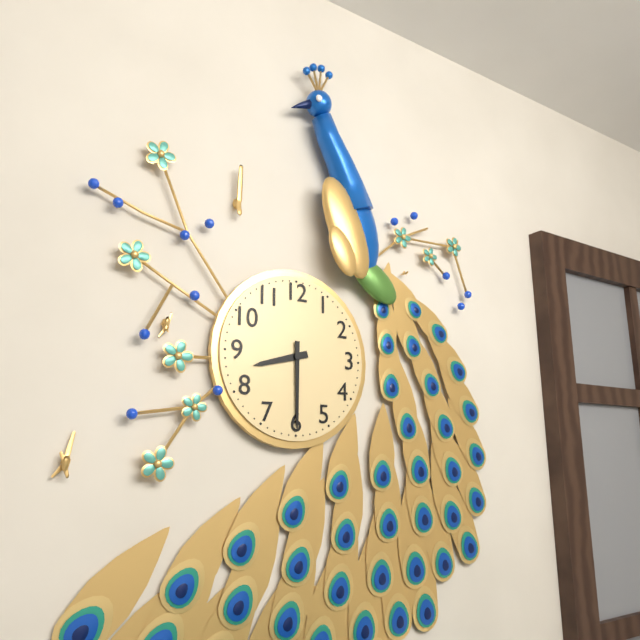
8h30
